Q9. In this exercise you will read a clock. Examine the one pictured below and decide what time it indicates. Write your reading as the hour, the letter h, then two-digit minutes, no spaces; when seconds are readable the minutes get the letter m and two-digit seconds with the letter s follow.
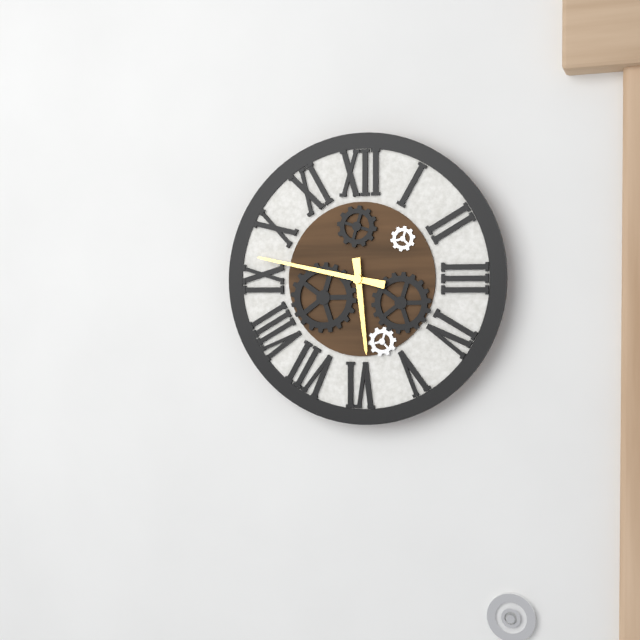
5h47
